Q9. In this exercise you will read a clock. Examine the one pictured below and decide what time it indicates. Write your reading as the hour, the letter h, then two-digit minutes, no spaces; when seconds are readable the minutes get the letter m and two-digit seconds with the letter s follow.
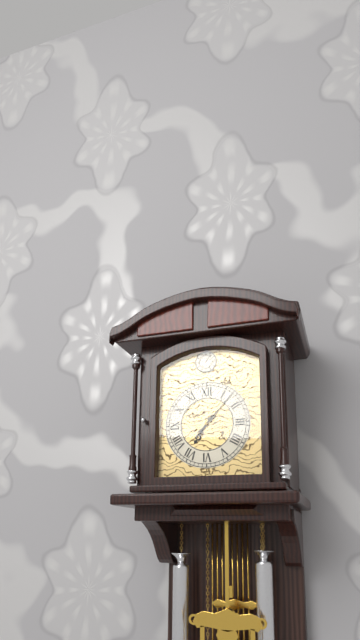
7h07
